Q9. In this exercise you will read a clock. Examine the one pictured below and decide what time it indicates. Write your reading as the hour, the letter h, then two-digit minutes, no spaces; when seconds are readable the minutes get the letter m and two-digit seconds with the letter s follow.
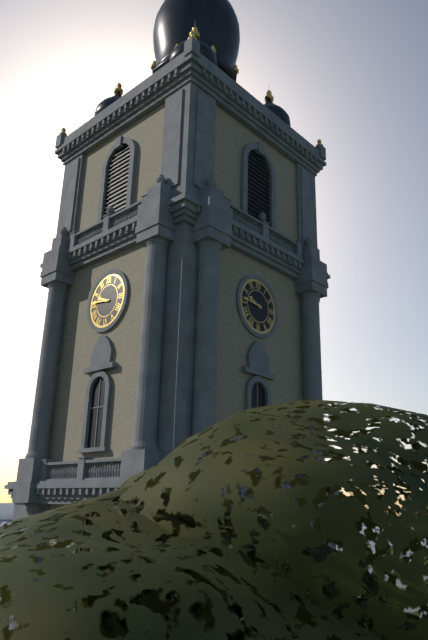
9h46
